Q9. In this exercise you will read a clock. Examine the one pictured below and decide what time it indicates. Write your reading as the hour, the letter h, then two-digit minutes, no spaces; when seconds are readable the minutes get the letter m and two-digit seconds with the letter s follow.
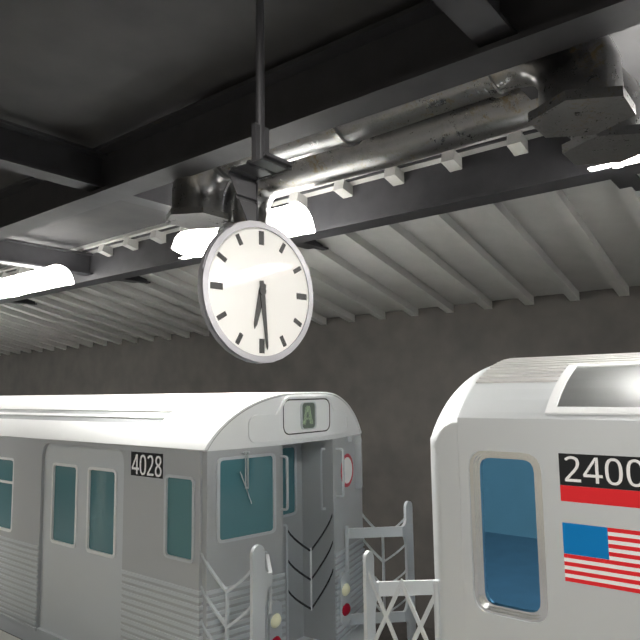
6h29
